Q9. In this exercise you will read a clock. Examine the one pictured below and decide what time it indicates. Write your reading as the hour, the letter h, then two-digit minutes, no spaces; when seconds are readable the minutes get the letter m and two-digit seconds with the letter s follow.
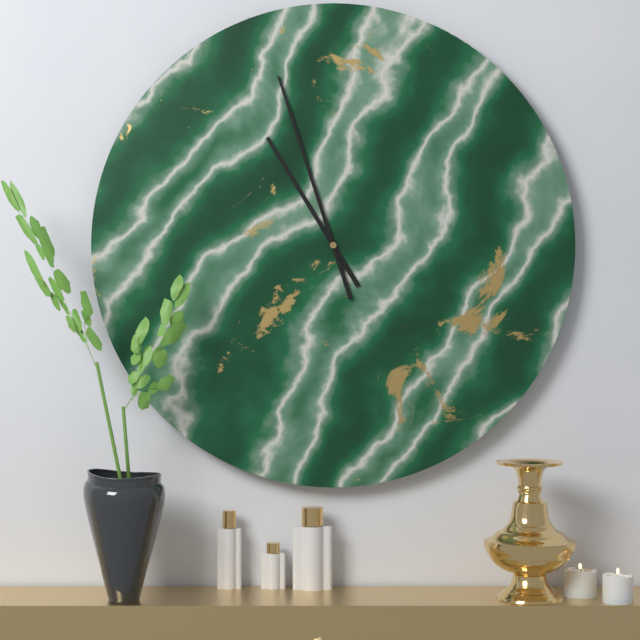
10h57
